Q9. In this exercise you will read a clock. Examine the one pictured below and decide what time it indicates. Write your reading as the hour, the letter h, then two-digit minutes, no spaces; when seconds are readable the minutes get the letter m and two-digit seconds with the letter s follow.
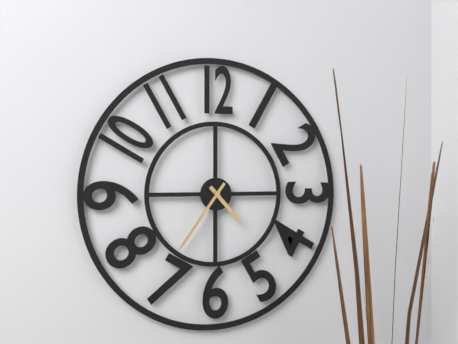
4h36
